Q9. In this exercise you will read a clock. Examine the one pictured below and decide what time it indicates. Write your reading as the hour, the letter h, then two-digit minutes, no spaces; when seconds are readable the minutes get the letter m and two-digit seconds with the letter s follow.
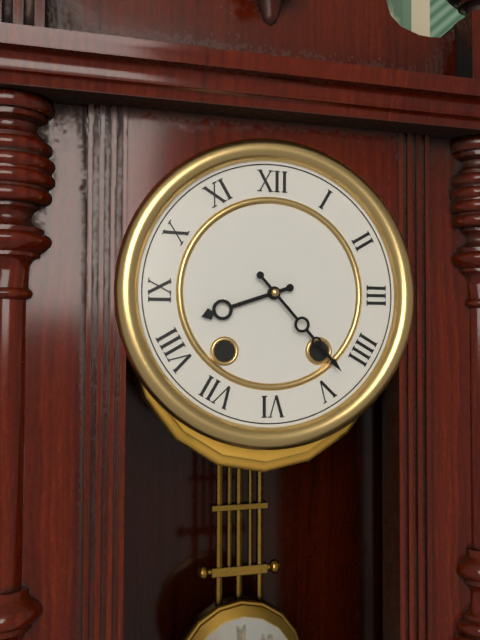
8h23
